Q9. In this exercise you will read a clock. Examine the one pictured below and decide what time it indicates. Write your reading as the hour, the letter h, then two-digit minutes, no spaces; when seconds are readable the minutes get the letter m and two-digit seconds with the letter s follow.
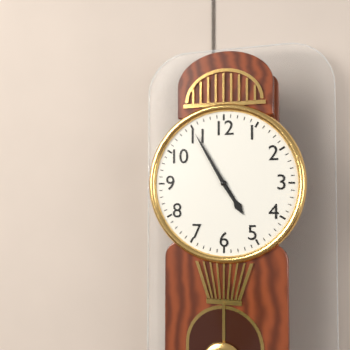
4h55
